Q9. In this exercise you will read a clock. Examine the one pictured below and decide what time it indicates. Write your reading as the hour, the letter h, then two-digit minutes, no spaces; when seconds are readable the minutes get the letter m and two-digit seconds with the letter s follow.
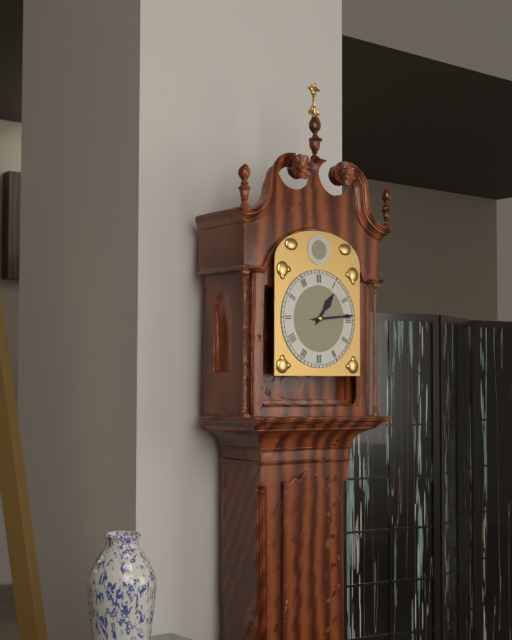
1h14
